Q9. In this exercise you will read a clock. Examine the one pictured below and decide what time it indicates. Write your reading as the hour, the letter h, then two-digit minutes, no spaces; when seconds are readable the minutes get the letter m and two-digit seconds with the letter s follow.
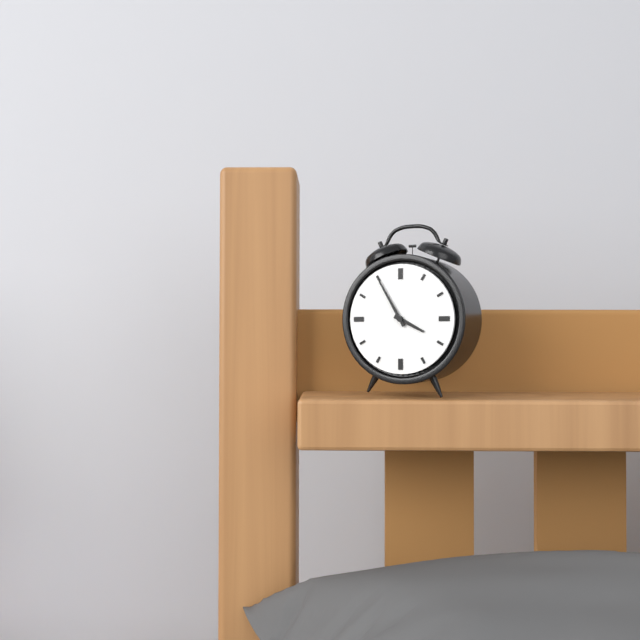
3h55
